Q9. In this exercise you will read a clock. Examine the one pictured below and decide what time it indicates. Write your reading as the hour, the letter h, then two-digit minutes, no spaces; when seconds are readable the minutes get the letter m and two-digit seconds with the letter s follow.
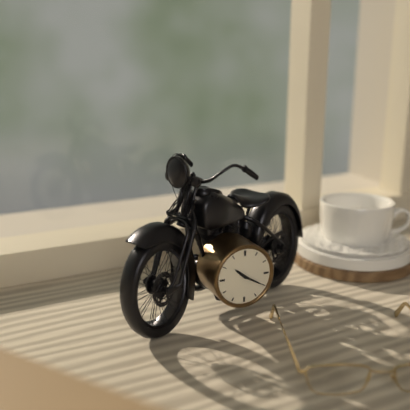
10h20
